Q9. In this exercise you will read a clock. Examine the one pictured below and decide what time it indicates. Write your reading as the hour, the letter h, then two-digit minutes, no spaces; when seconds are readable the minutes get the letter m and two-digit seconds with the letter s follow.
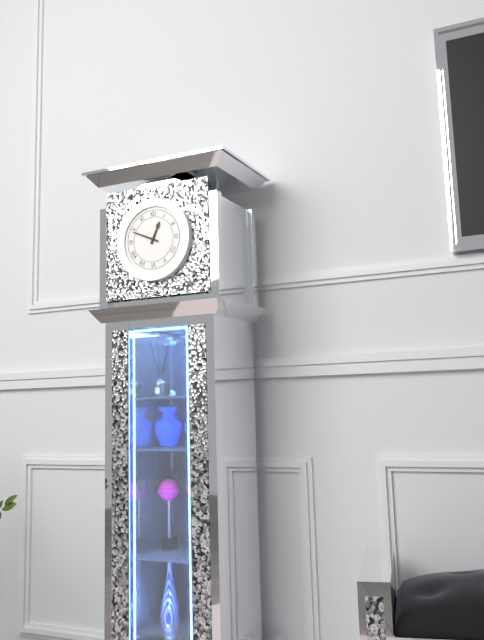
12h49
